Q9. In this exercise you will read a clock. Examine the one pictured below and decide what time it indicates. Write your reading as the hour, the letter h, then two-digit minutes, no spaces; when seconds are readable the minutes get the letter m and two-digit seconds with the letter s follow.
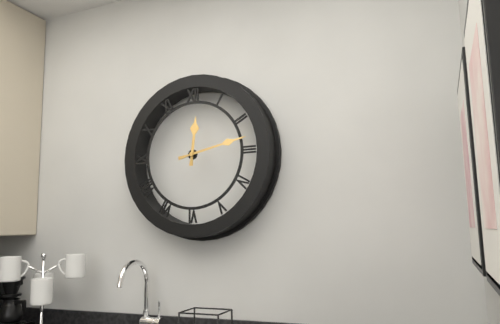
12h13
